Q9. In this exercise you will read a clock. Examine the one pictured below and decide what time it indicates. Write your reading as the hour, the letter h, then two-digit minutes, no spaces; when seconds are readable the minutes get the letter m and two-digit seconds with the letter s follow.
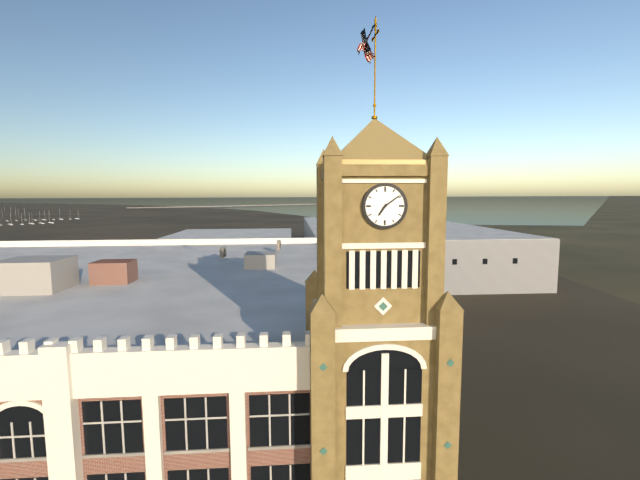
7h09
